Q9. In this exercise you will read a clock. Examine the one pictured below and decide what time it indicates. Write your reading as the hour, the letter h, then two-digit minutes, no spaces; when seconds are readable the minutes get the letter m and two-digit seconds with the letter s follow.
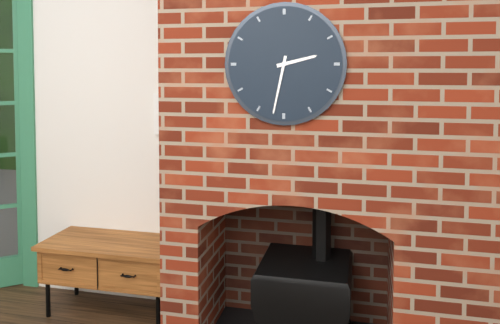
2h32
